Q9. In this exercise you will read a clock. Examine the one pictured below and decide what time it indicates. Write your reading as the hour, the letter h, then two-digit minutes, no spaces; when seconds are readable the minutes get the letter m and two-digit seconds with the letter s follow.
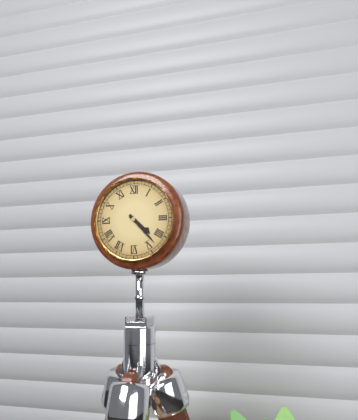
4h23
